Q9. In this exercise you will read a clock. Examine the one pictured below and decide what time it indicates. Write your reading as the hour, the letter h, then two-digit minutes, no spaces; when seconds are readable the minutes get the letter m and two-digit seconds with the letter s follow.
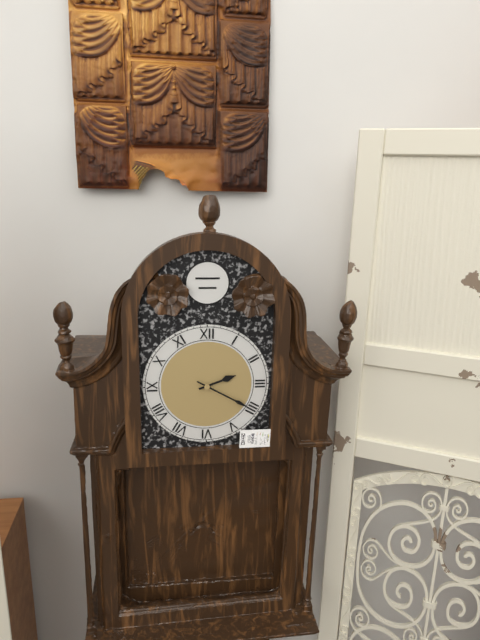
2h20
